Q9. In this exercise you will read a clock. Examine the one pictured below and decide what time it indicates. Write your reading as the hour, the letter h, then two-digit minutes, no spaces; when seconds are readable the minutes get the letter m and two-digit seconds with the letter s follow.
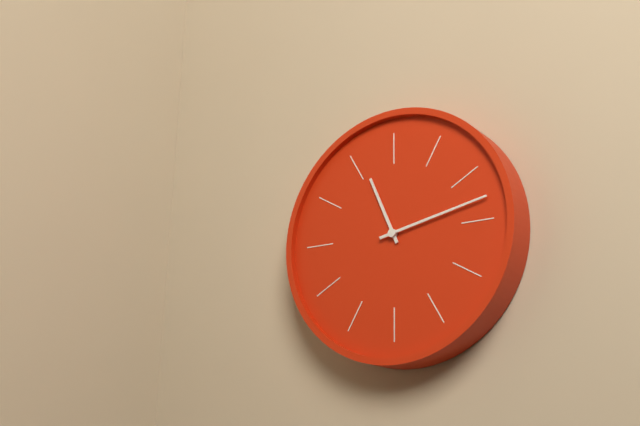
11h13
